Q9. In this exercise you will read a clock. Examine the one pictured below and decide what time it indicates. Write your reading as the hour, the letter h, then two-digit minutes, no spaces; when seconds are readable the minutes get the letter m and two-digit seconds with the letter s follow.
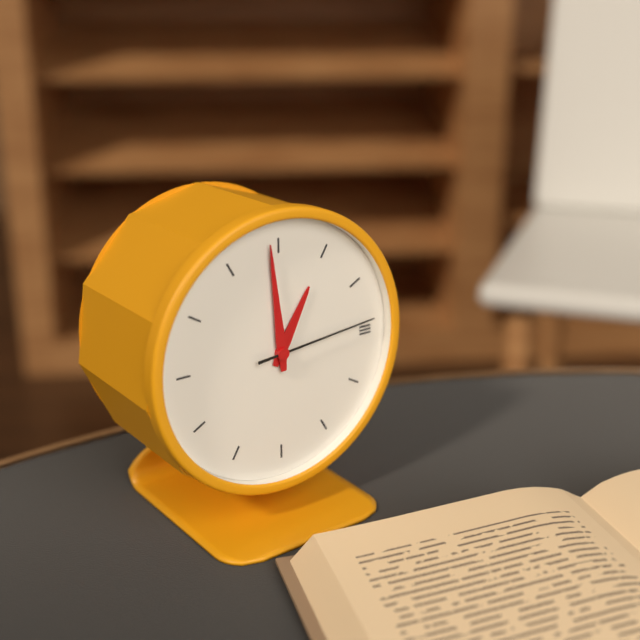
12h59m14s
